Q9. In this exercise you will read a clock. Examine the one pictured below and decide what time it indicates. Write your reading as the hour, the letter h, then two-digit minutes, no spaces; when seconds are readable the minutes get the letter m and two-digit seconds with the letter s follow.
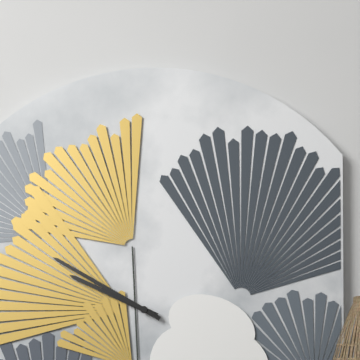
9h50
